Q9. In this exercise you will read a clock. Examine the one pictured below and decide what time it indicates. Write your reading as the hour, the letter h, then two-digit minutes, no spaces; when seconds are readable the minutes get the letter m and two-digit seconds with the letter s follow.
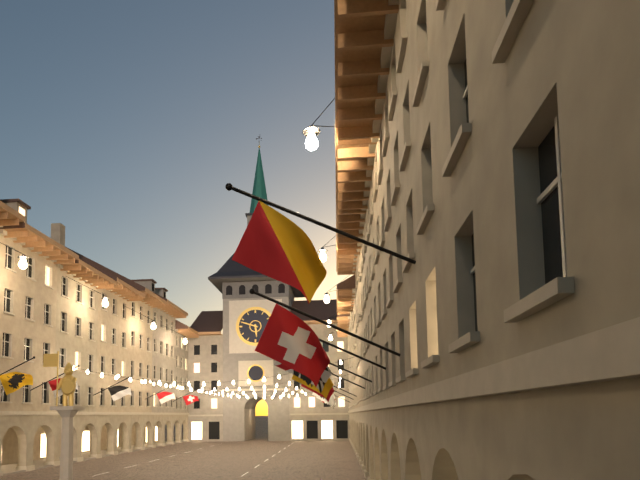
5h48
